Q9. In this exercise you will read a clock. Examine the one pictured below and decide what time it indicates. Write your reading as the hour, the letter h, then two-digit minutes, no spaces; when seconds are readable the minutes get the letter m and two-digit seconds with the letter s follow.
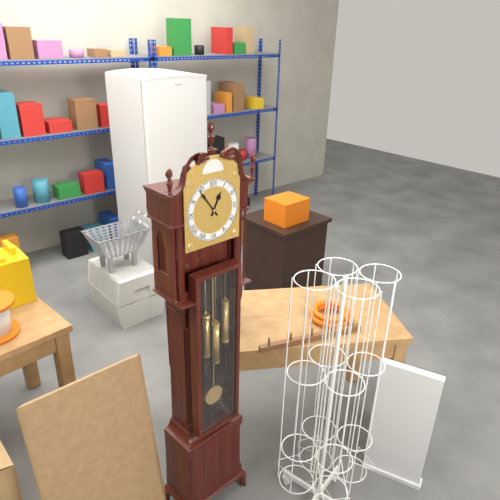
12h54
